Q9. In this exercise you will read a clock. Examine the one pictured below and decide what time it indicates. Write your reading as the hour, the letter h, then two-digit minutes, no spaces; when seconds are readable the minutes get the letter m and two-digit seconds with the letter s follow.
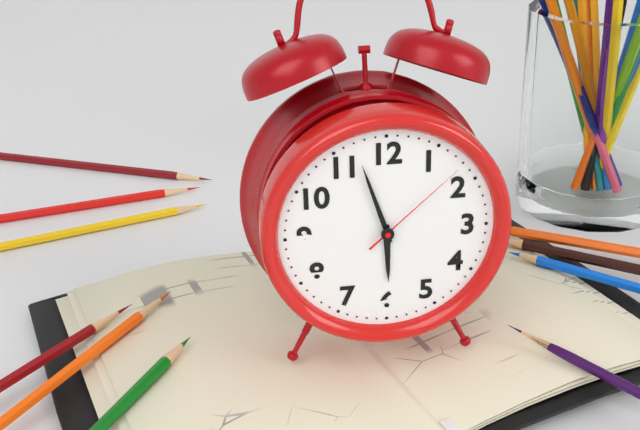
5h57m08s
